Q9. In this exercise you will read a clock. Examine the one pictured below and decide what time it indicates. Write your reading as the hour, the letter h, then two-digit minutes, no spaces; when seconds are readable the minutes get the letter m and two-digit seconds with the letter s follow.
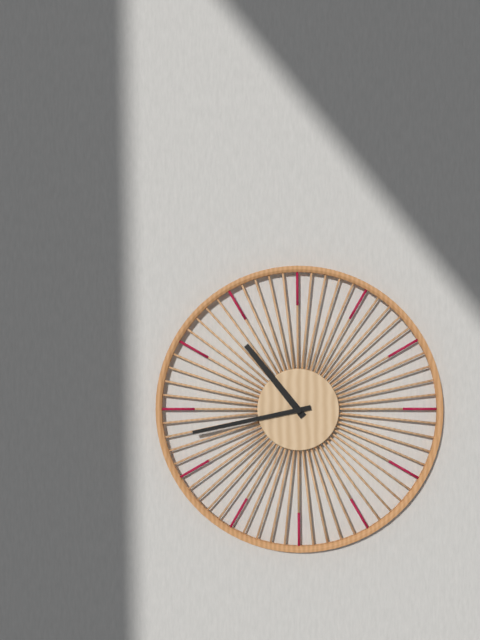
10h43
